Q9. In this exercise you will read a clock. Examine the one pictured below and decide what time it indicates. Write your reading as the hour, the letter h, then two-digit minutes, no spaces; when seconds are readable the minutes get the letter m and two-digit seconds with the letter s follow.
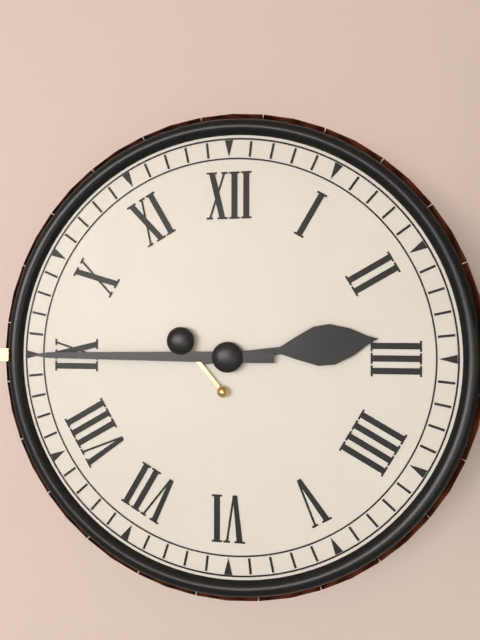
2h45
